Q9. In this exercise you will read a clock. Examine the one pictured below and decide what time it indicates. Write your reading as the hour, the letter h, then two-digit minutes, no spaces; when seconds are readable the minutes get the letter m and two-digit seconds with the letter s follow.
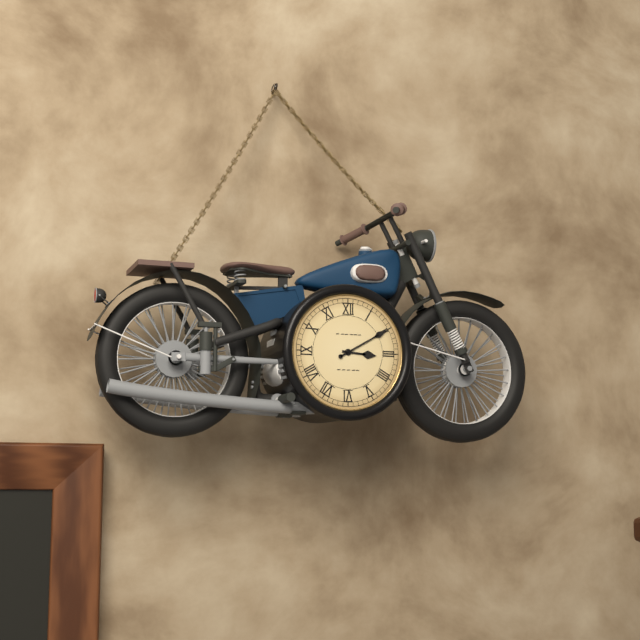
3h10
